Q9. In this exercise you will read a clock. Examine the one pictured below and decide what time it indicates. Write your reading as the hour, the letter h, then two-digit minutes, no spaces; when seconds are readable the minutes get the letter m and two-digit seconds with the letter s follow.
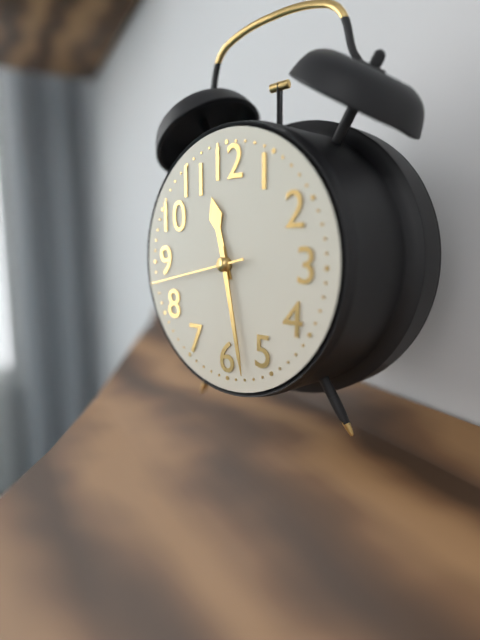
11h28m43s
